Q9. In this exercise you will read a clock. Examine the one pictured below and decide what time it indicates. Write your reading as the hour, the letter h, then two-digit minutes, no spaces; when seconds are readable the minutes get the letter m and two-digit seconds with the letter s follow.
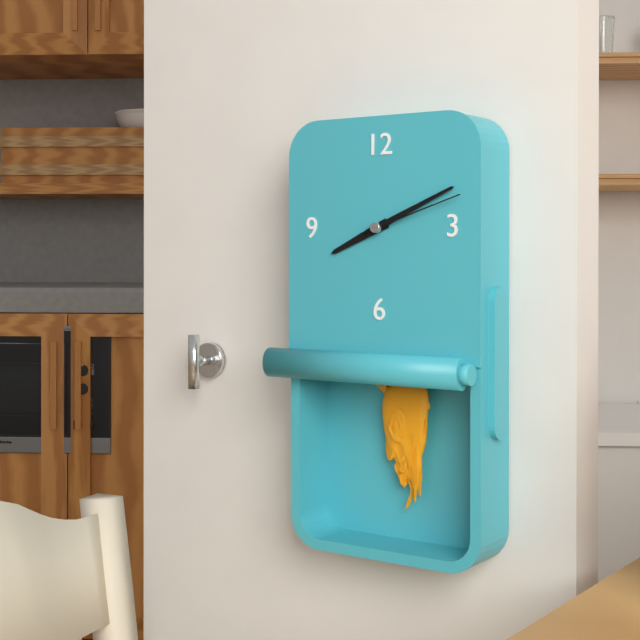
8h11m12s
